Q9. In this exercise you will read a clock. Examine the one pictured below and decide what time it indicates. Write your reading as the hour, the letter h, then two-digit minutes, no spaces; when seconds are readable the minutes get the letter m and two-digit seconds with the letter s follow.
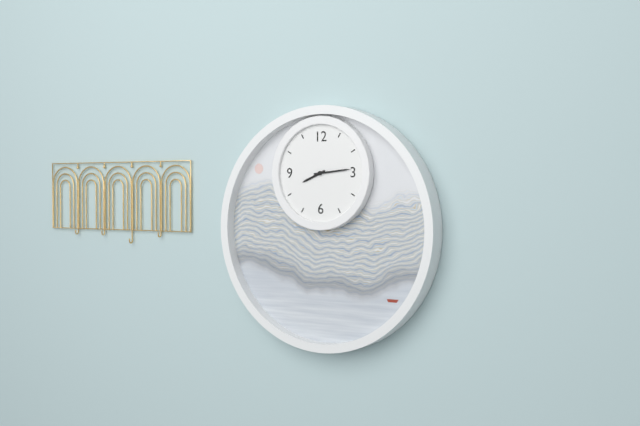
8h14
